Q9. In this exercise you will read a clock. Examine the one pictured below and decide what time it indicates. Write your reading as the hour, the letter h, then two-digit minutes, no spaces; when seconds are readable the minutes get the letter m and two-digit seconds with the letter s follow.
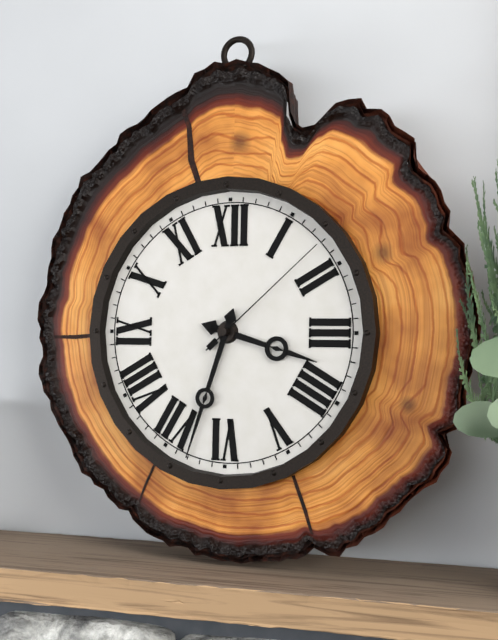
3h33m08s
